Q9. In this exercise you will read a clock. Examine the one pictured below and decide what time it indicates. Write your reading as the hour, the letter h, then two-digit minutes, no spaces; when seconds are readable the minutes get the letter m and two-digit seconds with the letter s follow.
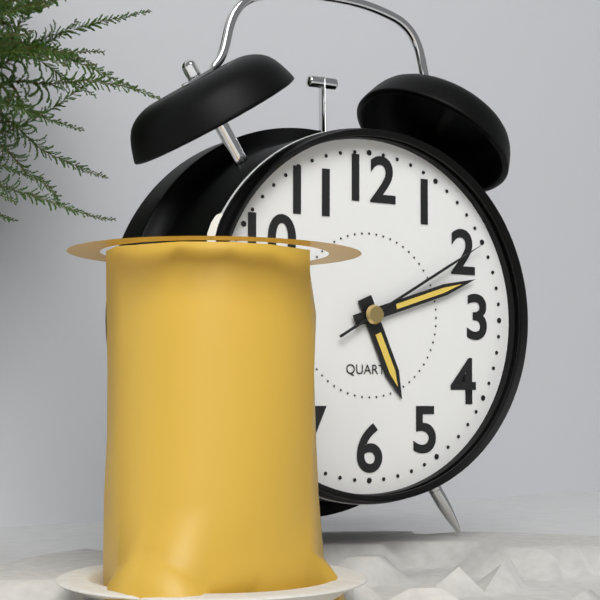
5h12m10s
